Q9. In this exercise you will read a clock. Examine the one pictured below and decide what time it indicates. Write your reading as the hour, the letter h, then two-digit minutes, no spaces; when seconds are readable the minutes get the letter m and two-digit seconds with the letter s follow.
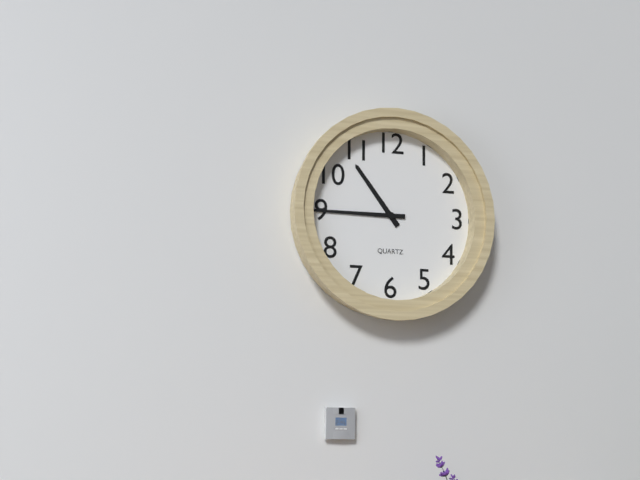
10h45
